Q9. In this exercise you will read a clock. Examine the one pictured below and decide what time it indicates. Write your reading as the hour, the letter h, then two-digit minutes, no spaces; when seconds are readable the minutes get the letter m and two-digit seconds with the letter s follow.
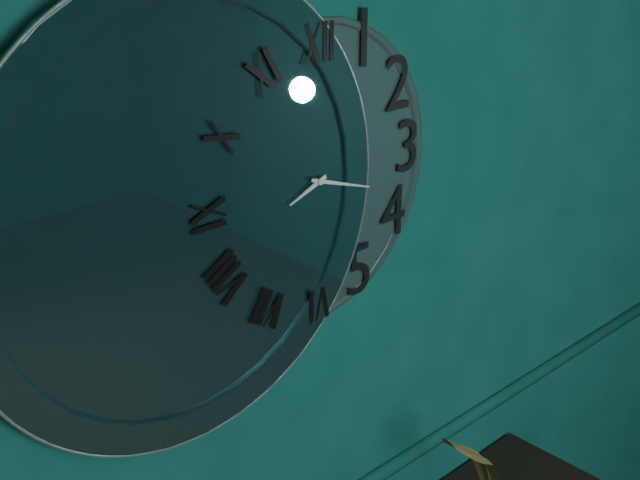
8h18
